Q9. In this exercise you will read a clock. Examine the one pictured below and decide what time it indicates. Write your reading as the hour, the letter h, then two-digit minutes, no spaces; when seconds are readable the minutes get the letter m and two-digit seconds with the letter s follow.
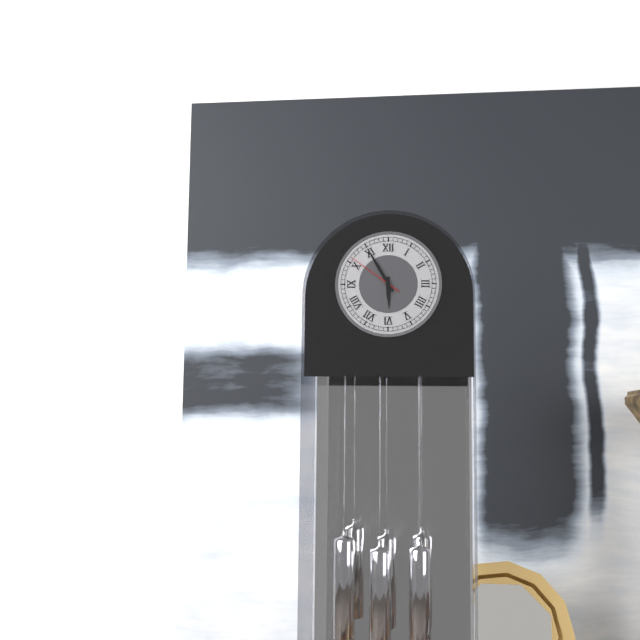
5h55m51s
